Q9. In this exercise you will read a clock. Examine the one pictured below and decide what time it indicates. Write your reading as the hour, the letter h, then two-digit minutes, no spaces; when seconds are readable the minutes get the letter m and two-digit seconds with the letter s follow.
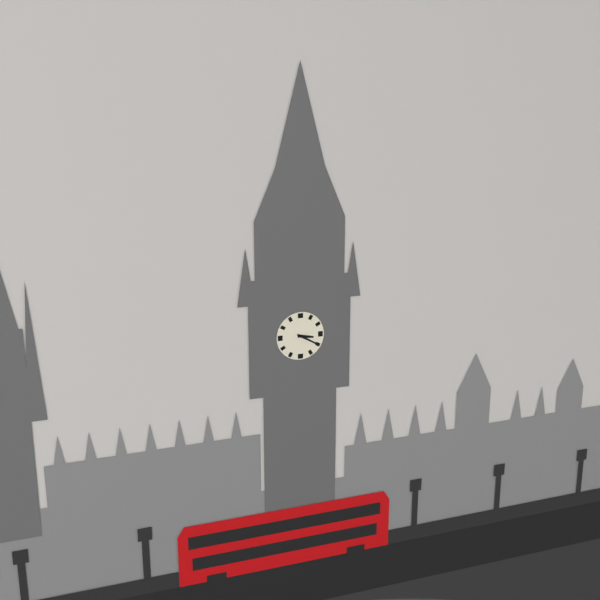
3h20
